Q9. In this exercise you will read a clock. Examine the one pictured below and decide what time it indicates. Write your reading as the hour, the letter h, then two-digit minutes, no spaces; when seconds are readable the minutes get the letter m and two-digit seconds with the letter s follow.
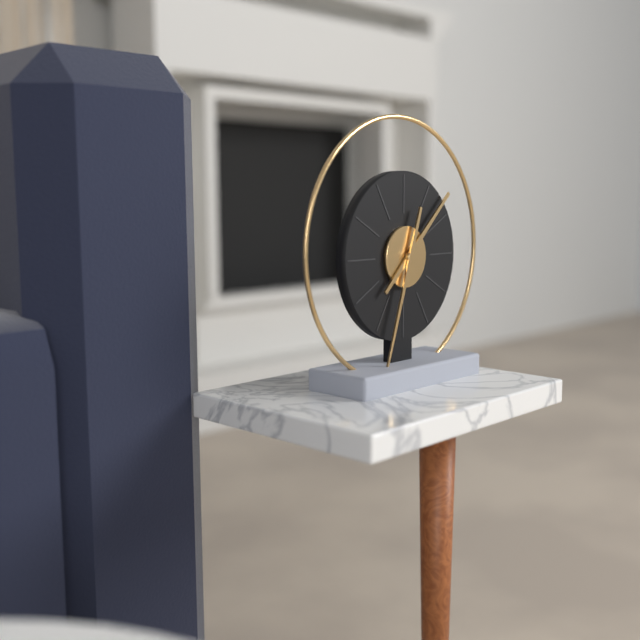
1h33
